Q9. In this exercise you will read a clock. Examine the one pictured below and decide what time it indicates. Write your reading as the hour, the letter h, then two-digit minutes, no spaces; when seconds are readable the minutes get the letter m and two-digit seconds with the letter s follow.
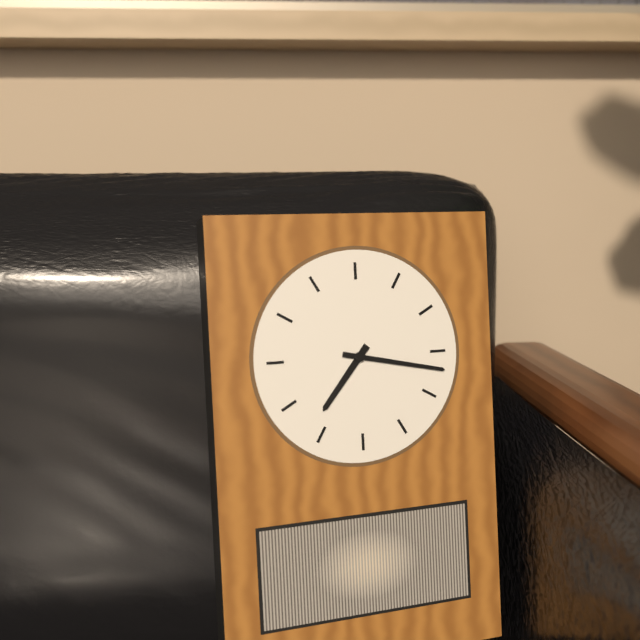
7h17
